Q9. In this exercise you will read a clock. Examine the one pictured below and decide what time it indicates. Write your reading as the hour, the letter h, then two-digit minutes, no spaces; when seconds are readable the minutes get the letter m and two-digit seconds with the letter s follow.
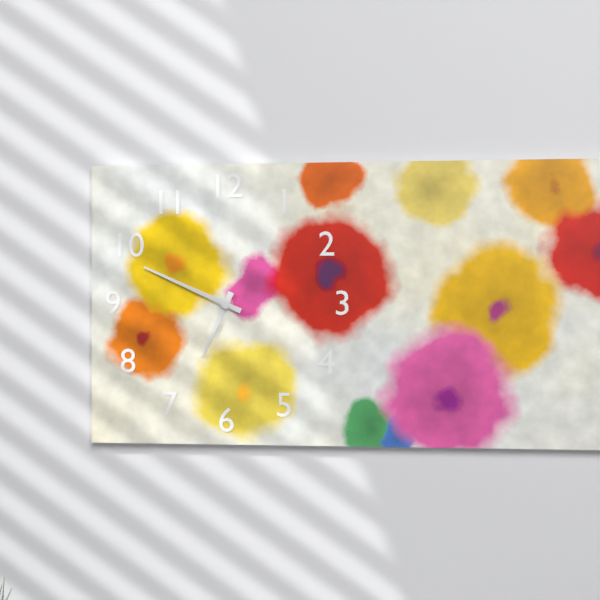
6h49
